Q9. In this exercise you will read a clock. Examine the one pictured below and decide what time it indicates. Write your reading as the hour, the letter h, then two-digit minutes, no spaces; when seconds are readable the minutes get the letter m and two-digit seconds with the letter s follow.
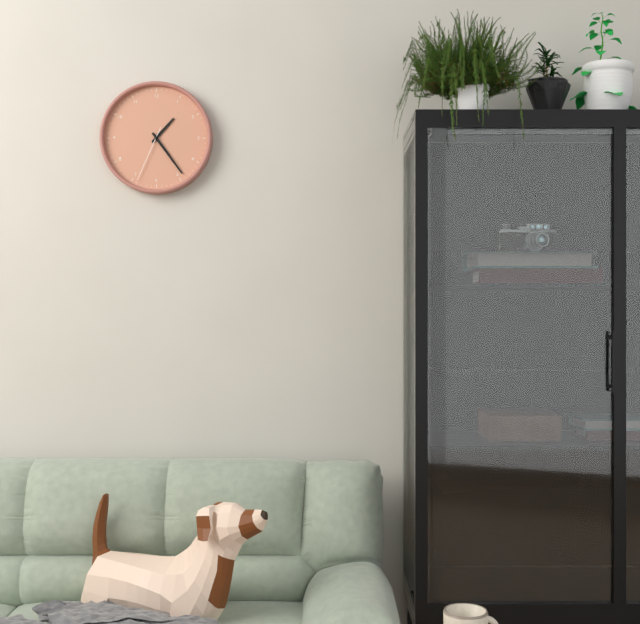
1h24m34s
